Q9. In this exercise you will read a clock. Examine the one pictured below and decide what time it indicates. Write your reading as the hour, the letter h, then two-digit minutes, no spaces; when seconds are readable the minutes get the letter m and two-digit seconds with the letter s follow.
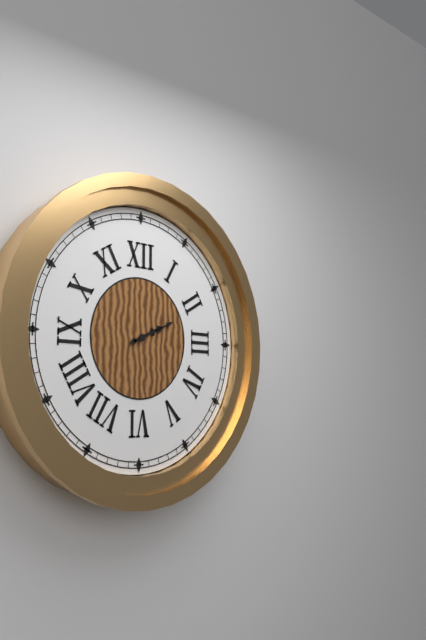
2h11
